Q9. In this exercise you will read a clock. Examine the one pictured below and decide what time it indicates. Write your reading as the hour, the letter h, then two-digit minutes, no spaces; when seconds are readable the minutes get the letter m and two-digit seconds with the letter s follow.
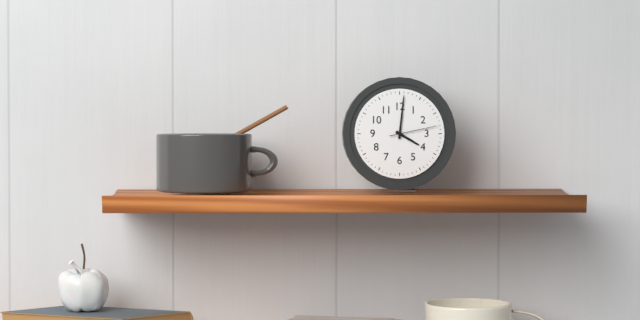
4h01
